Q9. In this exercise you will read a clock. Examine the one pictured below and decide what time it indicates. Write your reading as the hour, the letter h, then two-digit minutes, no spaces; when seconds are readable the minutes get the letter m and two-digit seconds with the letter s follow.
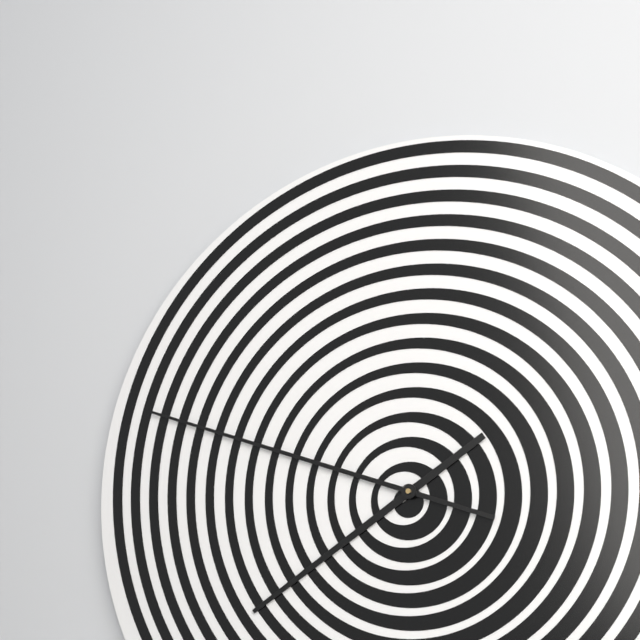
7h48
